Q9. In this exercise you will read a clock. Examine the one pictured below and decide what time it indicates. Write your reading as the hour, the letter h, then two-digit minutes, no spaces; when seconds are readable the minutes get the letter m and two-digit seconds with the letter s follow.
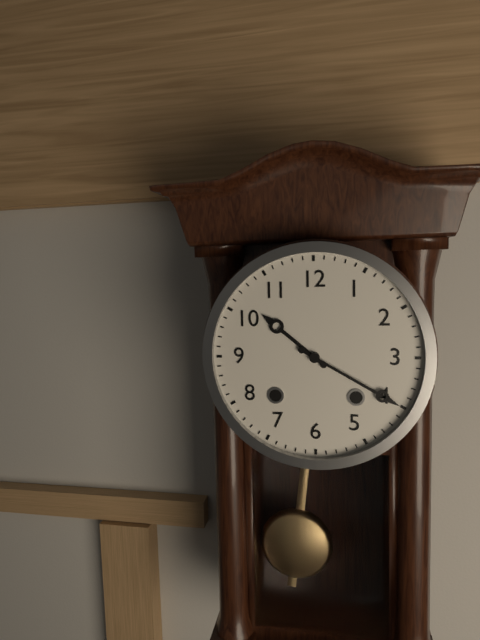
10h20
